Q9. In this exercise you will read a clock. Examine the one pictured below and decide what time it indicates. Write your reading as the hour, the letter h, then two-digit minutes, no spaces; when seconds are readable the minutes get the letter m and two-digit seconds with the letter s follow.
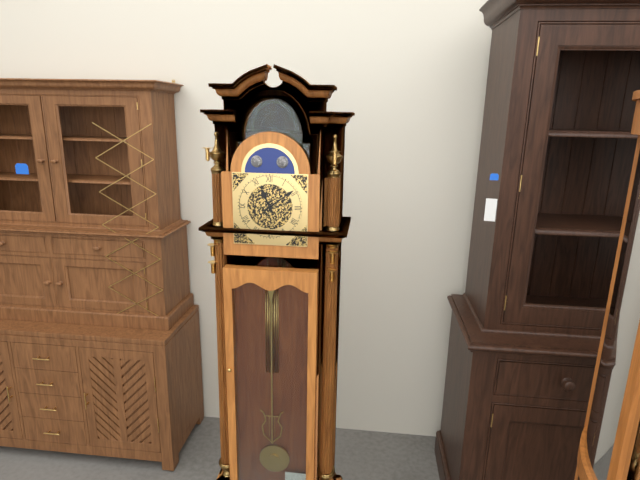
11h09
